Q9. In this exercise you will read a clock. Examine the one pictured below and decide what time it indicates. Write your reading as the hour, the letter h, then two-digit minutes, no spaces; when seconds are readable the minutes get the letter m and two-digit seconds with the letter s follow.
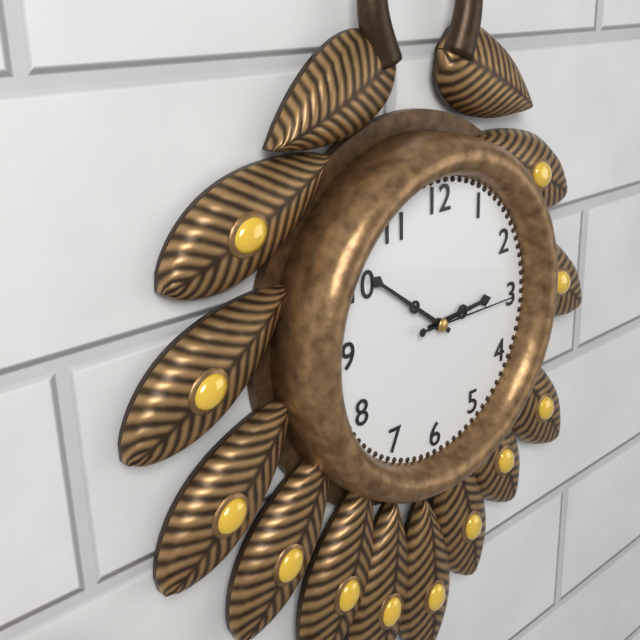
2h51m15s
